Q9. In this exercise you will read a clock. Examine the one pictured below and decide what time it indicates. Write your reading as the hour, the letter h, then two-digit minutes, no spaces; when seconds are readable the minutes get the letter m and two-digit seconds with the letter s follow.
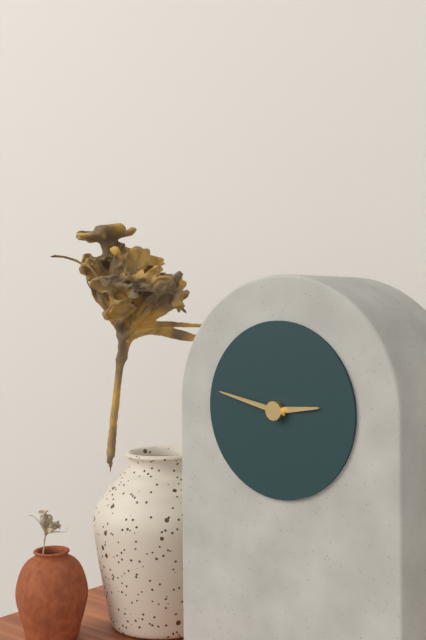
2h47
